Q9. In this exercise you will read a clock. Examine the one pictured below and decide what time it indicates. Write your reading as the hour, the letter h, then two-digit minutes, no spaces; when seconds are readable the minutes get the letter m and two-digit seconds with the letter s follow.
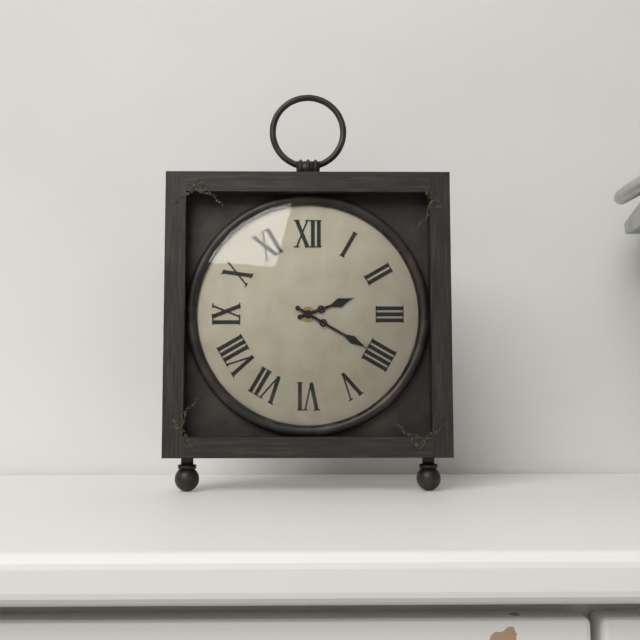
2h20
